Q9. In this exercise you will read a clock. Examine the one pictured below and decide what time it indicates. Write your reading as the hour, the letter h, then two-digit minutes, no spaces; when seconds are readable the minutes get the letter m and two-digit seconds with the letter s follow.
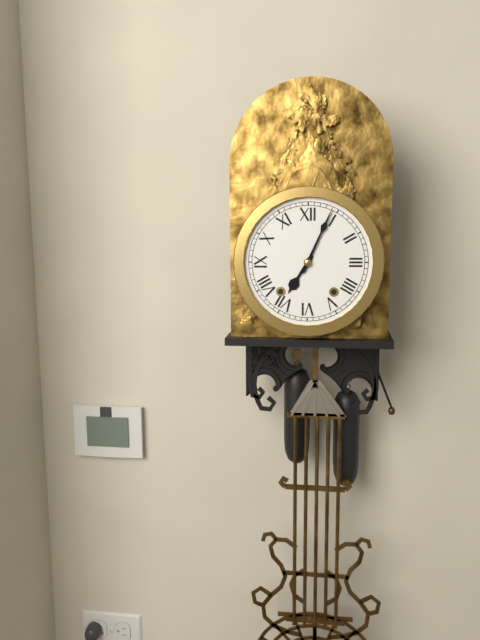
7h04
